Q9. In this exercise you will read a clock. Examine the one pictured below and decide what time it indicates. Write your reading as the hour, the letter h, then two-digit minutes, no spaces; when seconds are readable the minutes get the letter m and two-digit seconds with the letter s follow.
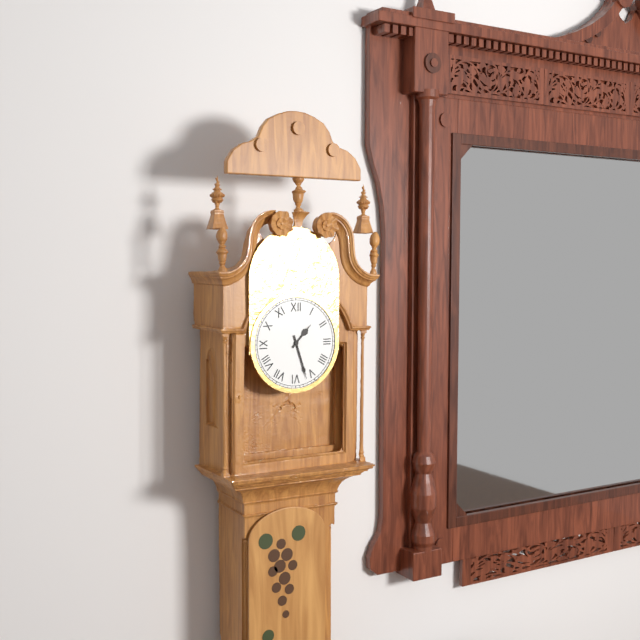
1h27
